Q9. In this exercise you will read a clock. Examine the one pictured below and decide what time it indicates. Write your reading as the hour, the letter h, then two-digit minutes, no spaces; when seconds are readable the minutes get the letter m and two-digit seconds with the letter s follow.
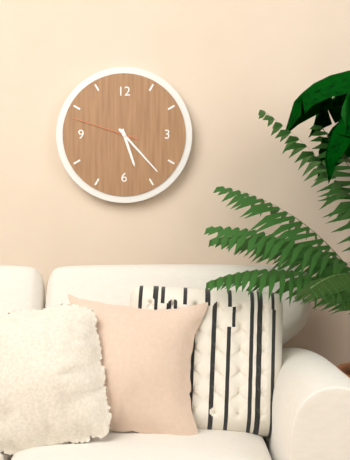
5h23m48s
